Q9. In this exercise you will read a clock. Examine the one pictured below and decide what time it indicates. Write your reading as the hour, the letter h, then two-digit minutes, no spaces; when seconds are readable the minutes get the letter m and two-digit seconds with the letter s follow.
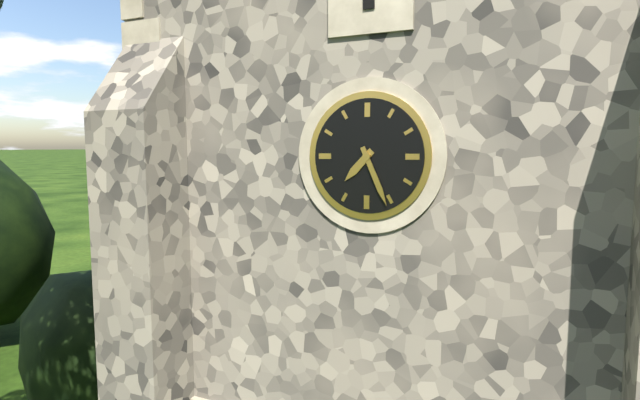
7h26
